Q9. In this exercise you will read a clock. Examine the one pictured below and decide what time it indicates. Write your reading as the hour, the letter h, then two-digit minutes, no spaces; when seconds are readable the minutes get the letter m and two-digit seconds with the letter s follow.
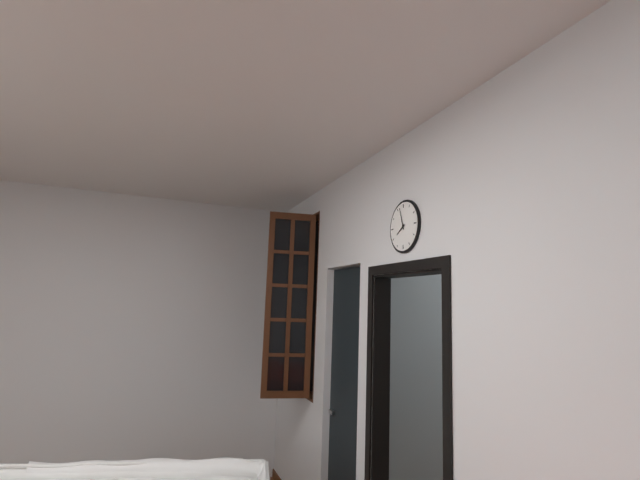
7h57
